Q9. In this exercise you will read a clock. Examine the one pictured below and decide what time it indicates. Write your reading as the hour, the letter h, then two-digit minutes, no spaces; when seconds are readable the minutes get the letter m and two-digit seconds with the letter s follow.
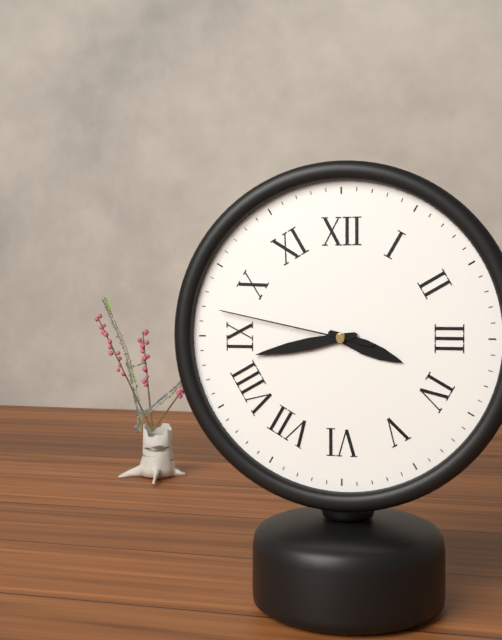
3h43m47s
